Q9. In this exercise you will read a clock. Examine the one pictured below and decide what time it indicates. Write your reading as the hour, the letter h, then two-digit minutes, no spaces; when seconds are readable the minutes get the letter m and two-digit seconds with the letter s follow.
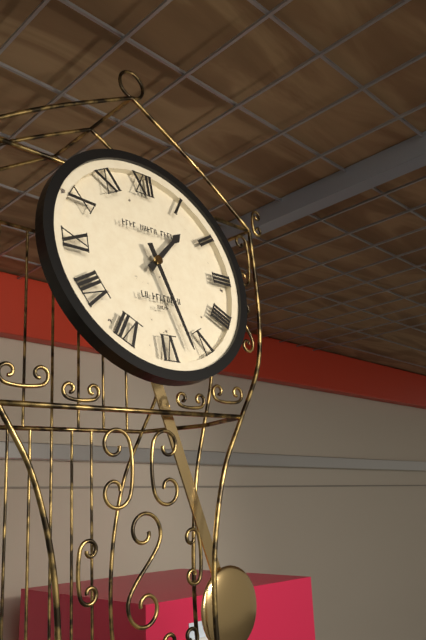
1h27
